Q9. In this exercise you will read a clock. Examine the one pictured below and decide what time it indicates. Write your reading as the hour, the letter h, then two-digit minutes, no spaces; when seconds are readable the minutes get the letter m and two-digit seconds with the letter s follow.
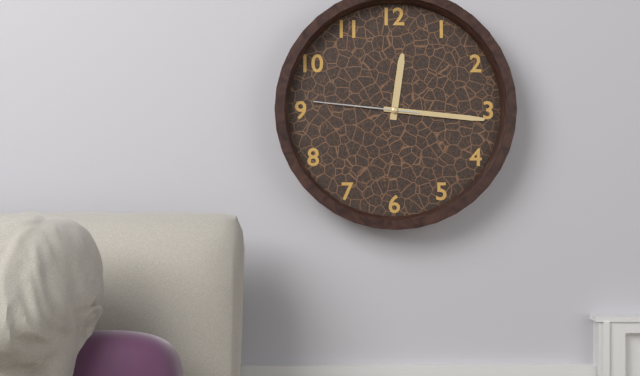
12h16m46s
